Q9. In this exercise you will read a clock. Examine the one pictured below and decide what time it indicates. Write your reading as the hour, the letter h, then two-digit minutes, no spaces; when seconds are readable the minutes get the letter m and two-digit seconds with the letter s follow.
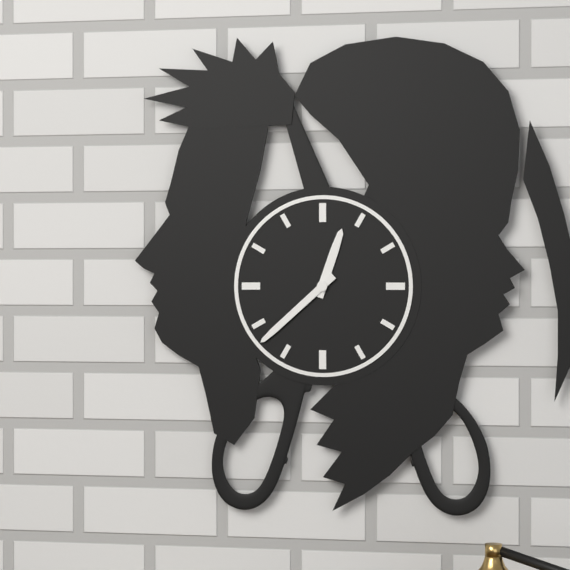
12h38
